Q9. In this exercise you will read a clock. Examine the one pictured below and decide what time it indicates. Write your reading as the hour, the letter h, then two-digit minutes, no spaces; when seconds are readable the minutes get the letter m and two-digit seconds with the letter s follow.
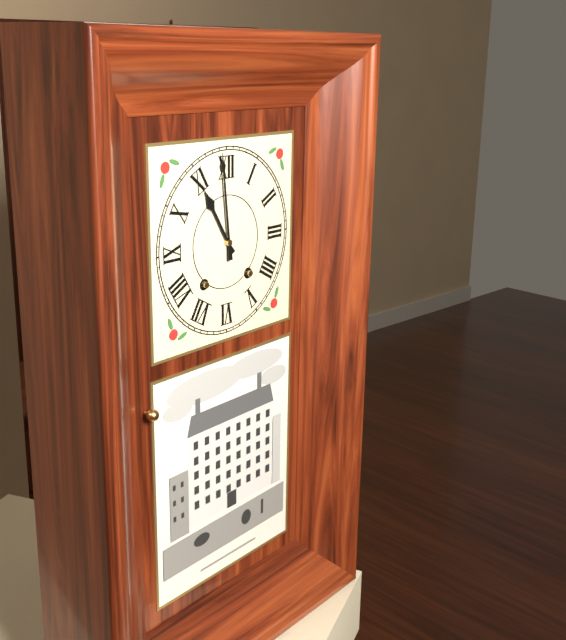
10h59
